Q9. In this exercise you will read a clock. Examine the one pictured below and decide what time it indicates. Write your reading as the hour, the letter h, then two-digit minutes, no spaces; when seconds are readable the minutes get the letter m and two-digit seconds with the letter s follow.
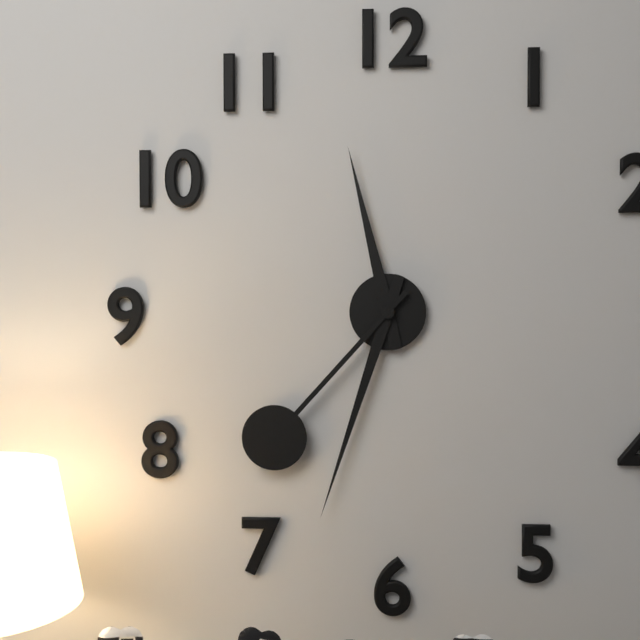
11h33m37s
